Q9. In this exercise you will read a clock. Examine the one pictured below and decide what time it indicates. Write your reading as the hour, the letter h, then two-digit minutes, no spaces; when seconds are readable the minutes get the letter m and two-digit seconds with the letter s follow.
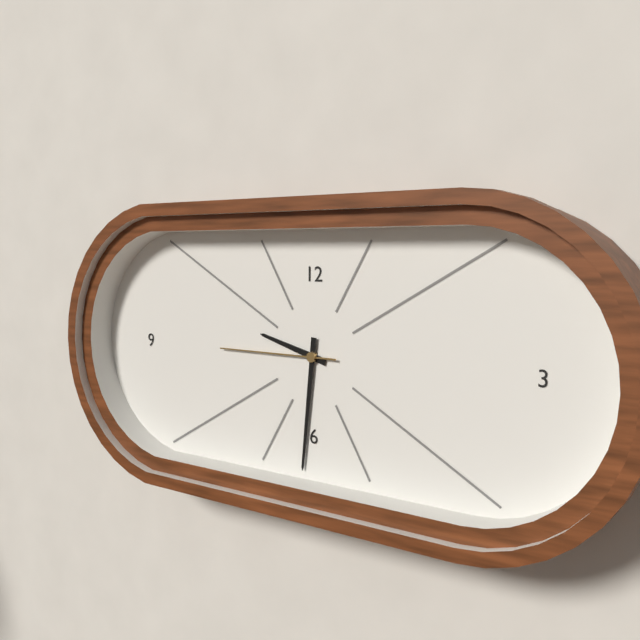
9h31m45s
